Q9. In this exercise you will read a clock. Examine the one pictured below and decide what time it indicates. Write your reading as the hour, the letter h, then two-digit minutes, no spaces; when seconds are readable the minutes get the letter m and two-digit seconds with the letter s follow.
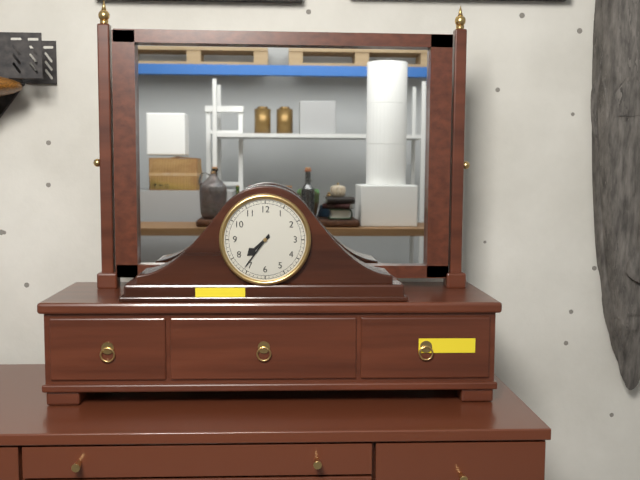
7h36
